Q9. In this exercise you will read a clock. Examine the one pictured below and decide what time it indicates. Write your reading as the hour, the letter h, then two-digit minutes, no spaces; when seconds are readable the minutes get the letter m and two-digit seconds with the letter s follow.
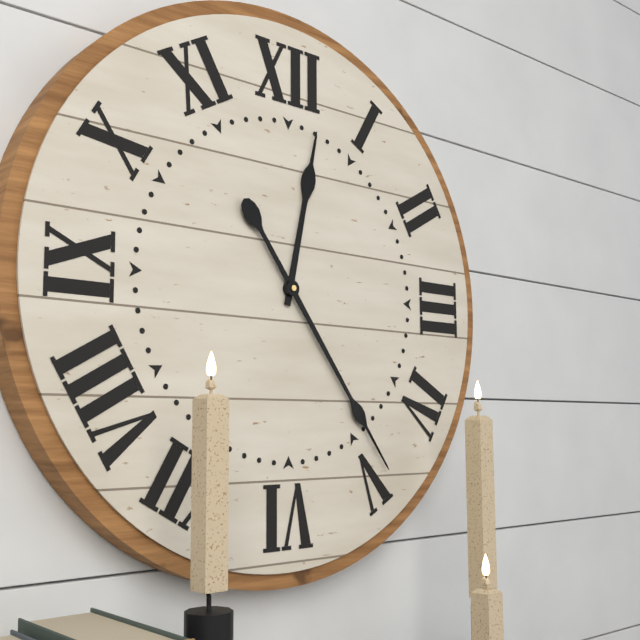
12h24
